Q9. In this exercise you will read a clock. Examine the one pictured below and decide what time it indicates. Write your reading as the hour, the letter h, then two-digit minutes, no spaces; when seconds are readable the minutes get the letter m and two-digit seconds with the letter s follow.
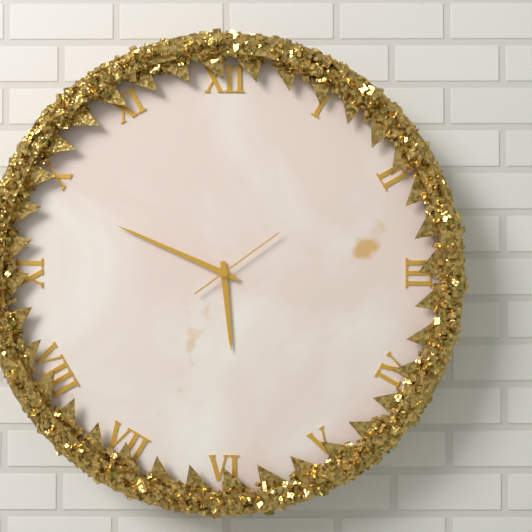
5h49m09s
